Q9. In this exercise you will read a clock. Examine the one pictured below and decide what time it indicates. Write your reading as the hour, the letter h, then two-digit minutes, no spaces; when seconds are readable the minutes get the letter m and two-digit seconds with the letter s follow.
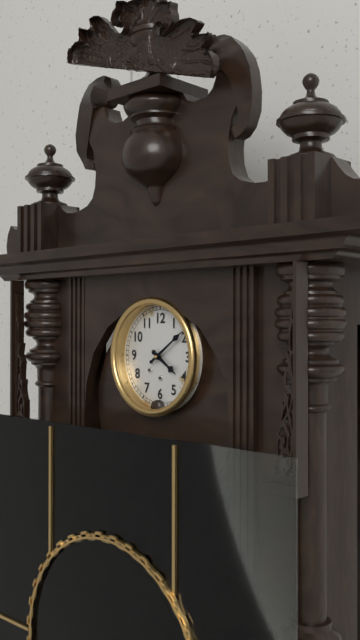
4h09
